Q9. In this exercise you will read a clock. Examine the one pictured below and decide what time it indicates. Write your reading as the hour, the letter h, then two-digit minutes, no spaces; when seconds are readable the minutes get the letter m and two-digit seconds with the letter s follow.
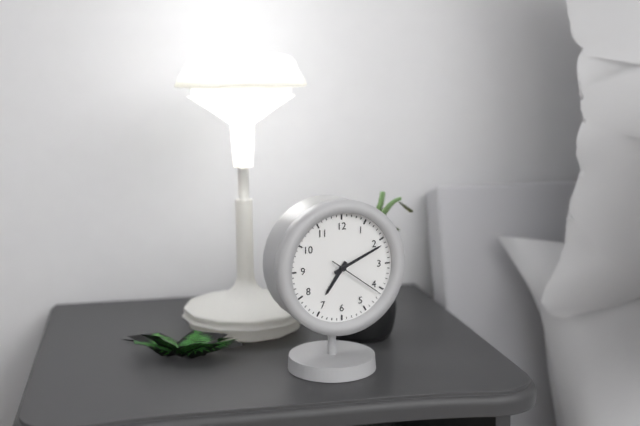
7h11m21s
